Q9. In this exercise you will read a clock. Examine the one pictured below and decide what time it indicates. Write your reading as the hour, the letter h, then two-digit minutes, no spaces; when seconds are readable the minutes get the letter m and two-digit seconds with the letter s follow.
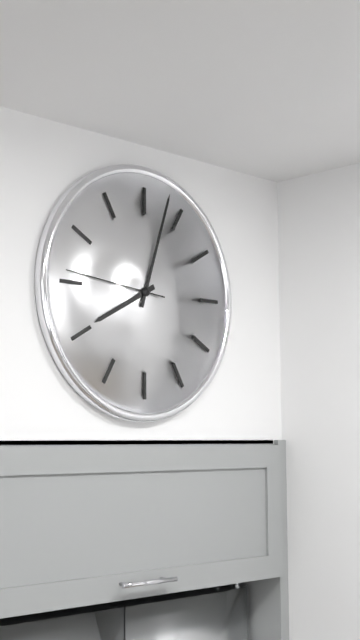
8h03m46s
